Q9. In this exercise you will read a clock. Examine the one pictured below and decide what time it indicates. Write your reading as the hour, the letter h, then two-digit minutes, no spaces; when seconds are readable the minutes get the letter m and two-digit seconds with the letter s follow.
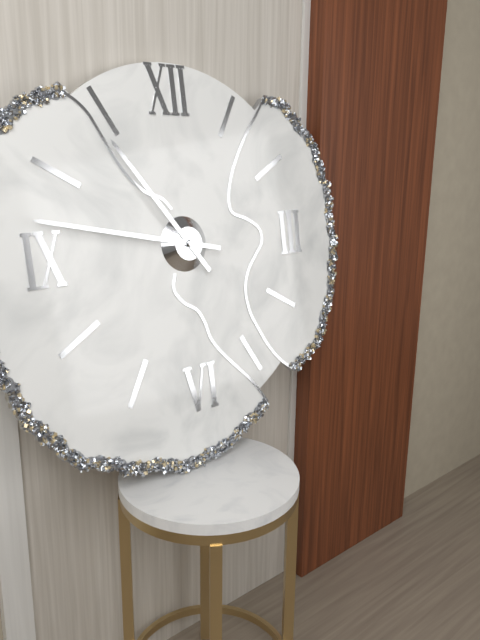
10h47
